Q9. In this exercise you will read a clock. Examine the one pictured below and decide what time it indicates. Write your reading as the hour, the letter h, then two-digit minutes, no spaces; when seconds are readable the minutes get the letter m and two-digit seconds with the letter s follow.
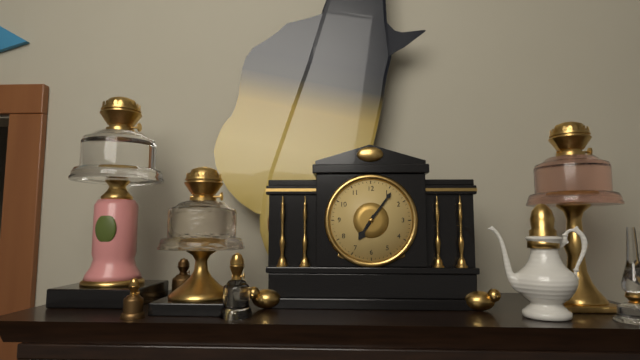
7h06
